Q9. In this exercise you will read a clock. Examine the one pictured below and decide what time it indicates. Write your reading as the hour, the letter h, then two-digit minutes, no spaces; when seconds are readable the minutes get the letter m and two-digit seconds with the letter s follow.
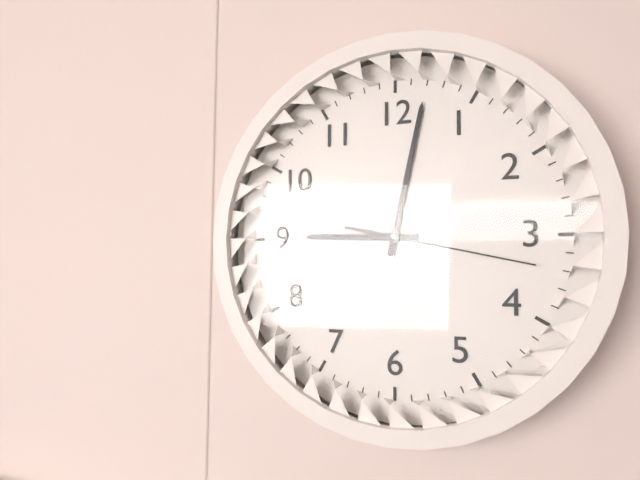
9h02m17s
